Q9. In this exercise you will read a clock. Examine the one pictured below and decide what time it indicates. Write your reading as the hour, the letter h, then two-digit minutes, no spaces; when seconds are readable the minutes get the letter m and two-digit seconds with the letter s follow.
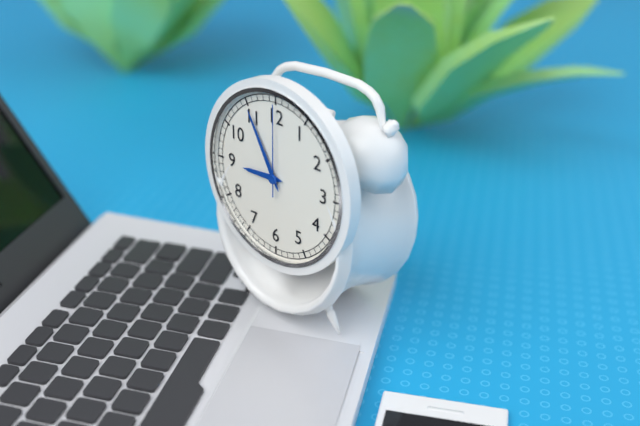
8h55m00s
